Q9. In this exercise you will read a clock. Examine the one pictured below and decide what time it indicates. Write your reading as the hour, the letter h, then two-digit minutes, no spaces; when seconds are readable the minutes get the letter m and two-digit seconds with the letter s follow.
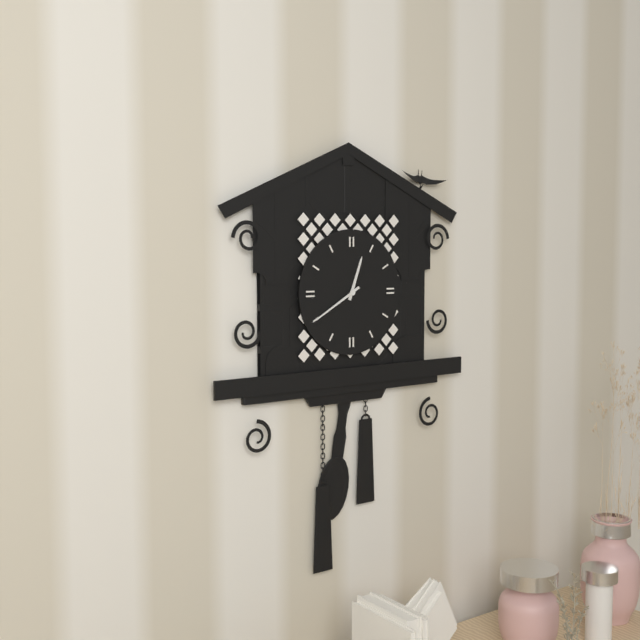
12h40
